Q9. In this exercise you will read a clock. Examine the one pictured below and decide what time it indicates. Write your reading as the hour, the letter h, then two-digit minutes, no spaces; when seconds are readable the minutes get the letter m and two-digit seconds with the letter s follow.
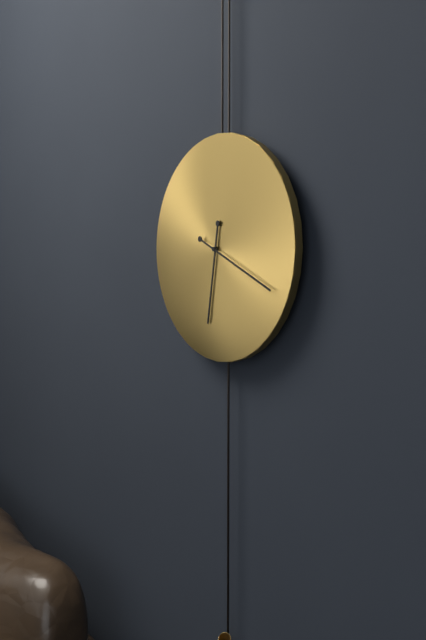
6h19
